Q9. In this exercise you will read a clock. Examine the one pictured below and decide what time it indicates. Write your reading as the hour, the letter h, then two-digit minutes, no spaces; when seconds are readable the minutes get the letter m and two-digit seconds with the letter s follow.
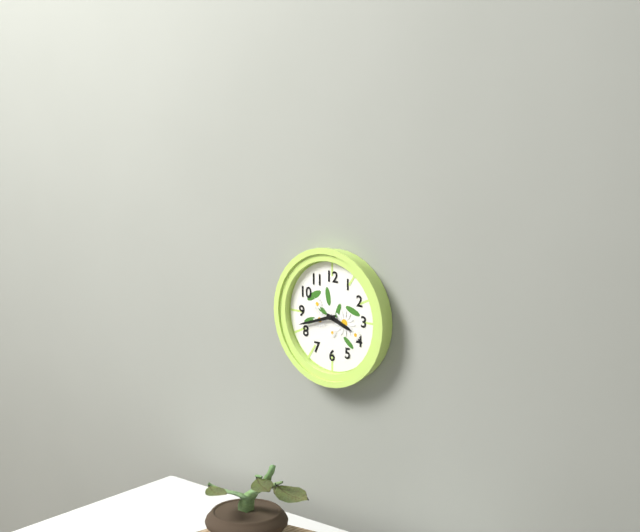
3h42
